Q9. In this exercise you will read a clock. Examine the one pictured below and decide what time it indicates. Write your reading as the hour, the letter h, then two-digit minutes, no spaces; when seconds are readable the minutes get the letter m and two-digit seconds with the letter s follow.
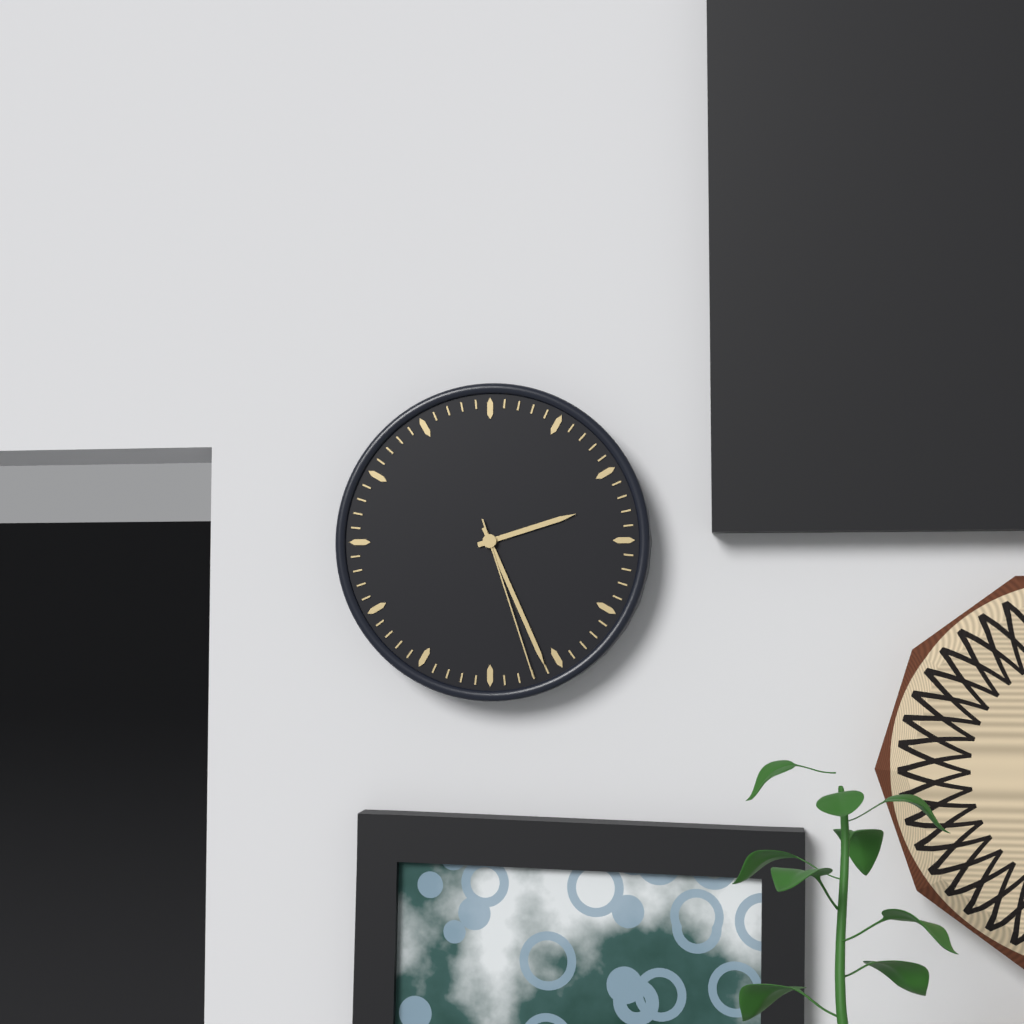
2h26m27s
